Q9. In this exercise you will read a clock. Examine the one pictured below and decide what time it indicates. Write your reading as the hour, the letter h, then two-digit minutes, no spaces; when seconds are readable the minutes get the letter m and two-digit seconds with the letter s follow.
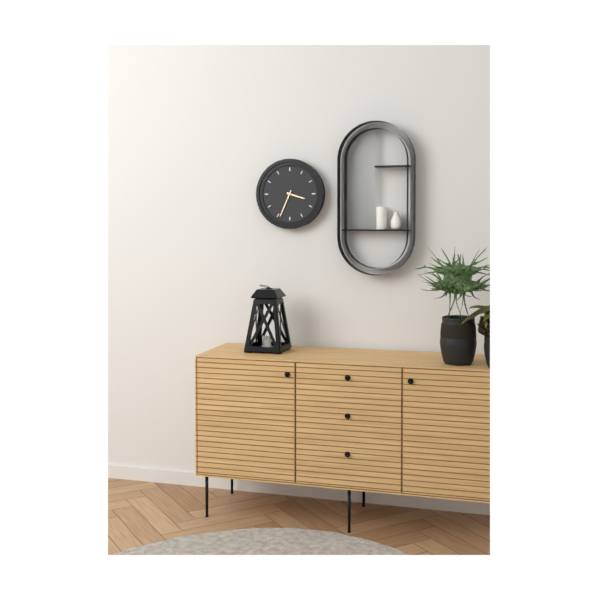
3h34
